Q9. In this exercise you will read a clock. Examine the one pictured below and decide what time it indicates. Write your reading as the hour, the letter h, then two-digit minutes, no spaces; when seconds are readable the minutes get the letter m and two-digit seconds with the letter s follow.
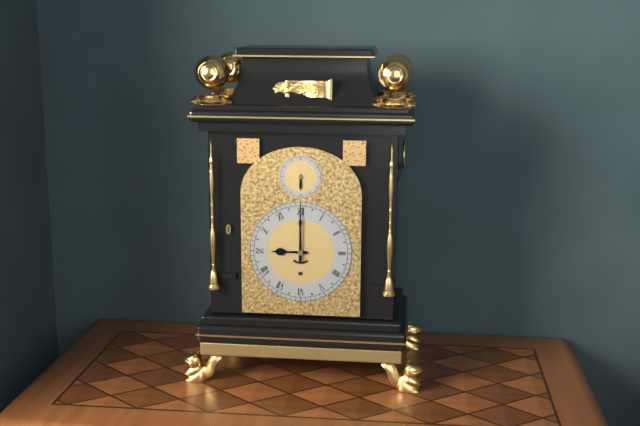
9h00
